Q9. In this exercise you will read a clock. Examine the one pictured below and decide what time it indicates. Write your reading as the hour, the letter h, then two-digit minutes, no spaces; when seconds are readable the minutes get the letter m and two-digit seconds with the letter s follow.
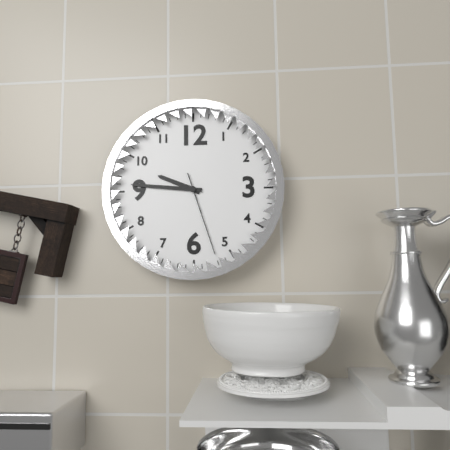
9h46m27s
